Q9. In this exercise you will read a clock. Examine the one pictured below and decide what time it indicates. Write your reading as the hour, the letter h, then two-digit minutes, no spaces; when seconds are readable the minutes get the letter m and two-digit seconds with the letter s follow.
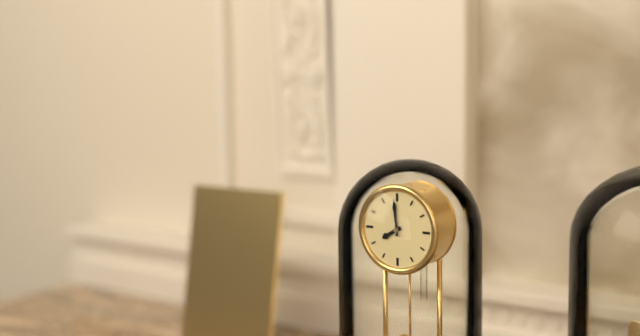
7h59
